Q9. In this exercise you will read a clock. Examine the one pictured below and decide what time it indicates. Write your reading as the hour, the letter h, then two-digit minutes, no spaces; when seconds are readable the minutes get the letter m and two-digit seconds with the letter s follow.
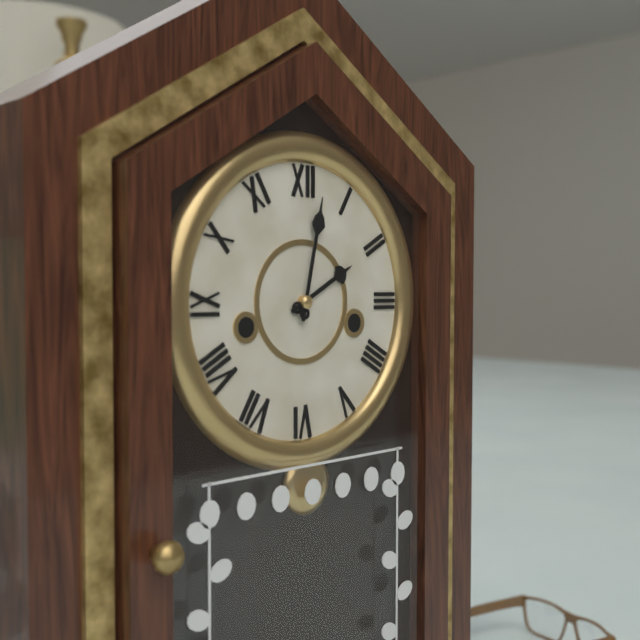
2h02
